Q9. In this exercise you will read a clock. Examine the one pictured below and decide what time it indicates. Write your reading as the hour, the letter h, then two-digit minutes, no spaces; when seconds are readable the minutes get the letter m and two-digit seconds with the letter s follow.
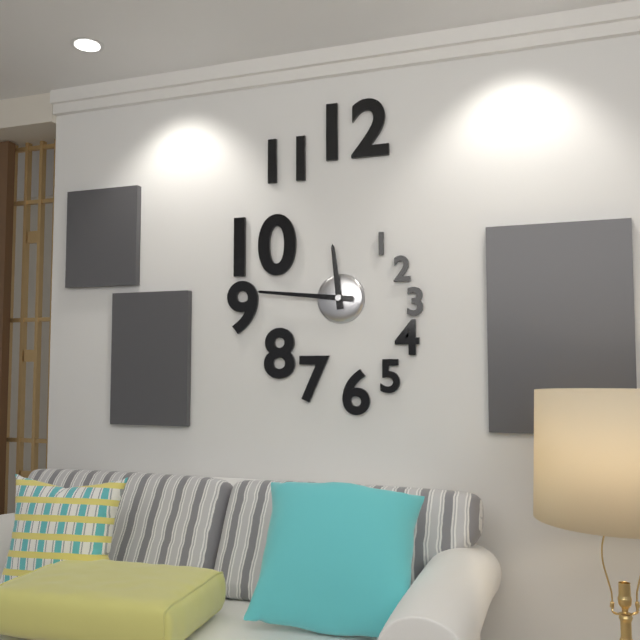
11h46
